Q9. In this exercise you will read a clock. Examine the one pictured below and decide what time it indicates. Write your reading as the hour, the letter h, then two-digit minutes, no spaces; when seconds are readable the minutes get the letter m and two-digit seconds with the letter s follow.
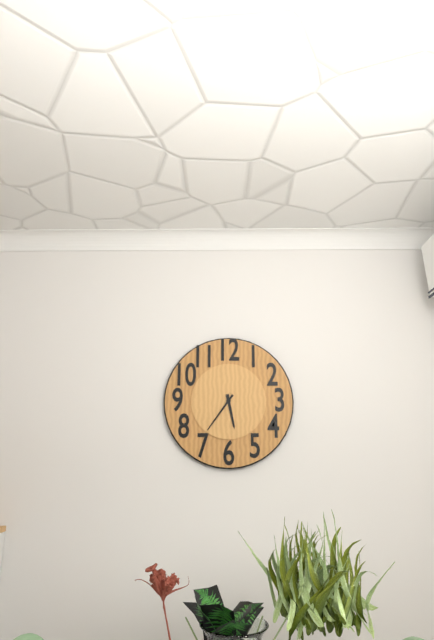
5h36
